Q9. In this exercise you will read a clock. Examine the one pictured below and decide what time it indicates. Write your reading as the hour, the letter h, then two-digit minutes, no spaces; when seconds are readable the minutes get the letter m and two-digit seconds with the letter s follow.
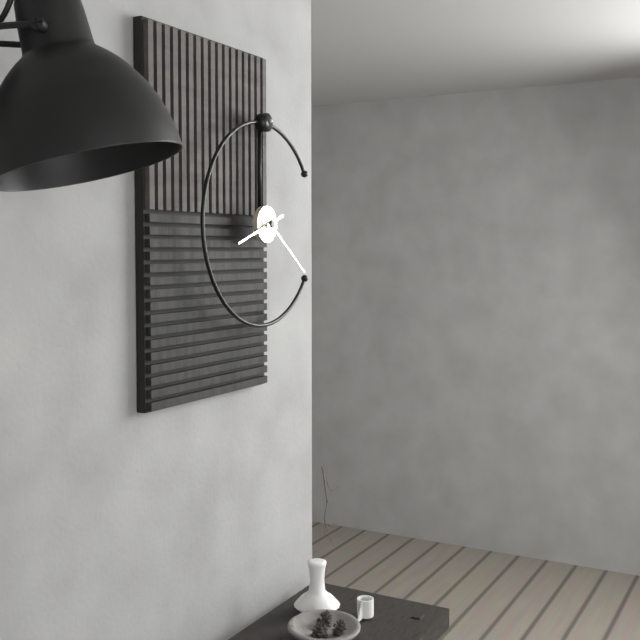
8h21
